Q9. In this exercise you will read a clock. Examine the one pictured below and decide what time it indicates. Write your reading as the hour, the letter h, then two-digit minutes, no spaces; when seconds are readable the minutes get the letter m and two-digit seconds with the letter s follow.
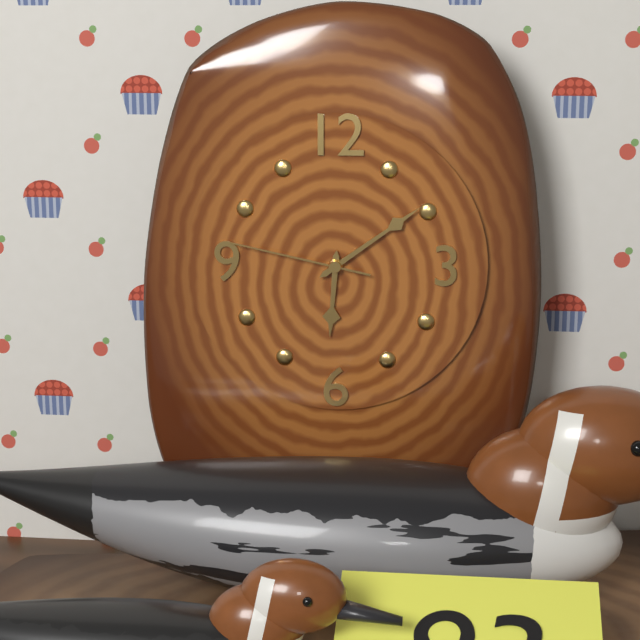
6h09m47s
